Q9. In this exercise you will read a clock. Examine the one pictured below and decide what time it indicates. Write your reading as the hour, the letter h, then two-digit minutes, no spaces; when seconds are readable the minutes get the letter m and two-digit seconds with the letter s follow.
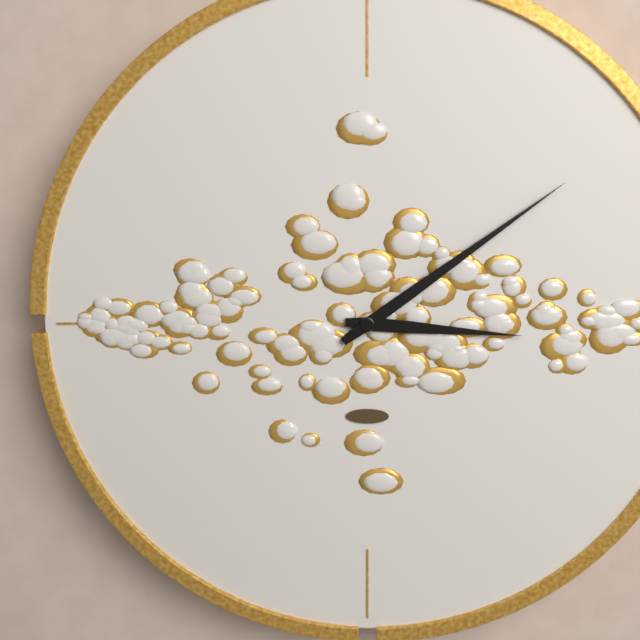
3h09
